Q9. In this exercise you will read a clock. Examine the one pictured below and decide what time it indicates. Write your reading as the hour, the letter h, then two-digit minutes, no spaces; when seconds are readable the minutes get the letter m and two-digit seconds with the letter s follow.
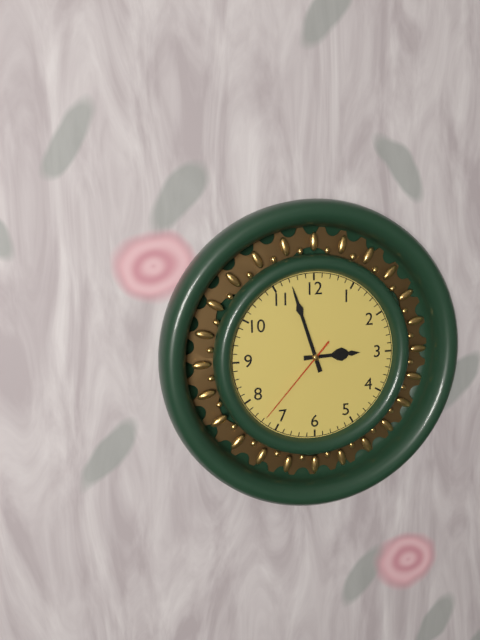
2h57m37s
